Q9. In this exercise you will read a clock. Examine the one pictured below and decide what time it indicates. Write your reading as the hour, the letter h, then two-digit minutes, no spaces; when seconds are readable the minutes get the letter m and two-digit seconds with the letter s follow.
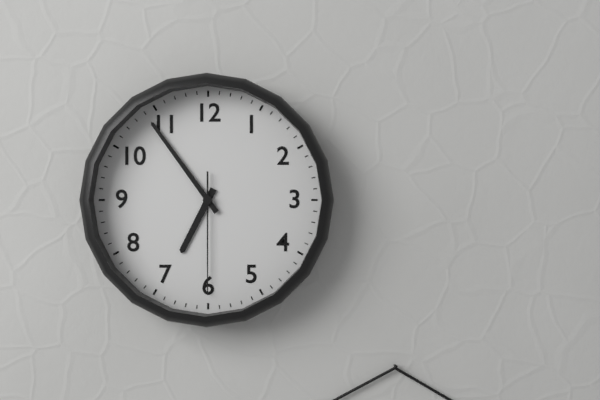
6h54m30s
